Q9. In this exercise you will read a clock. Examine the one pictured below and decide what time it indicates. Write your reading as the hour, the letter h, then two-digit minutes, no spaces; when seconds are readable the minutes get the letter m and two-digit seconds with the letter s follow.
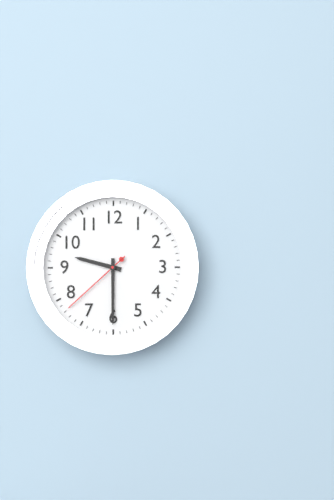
9h30m38s
